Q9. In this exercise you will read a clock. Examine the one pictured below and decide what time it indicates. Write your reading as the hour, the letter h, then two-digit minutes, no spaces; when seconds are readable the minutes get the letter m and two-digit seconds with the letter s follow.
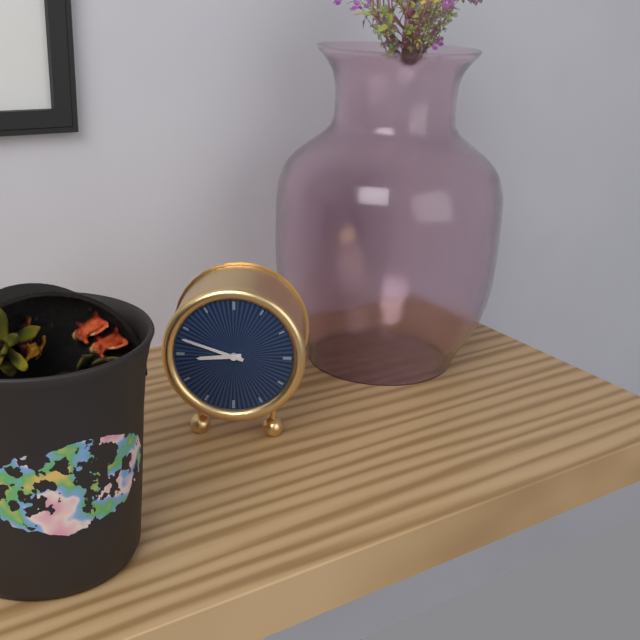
8h48
